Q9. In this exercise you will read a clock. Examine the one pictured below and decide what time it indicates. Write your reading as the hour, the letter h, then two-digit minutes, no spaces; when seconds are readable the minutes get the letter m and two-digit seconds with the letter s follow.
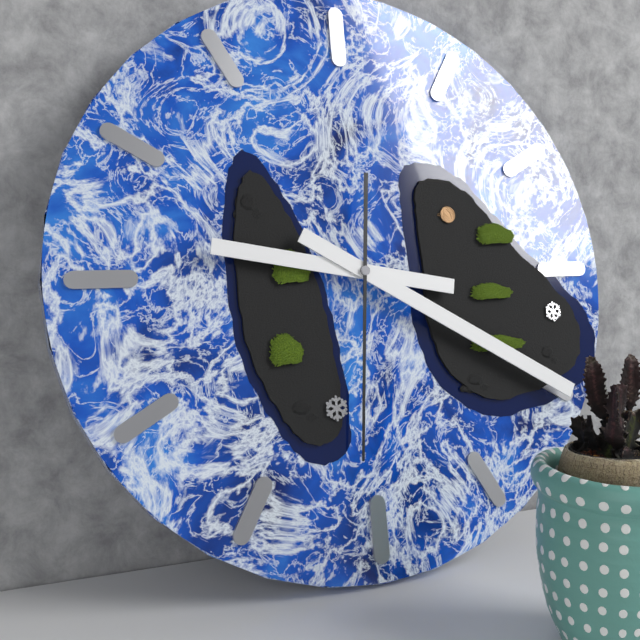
9h20m31s
